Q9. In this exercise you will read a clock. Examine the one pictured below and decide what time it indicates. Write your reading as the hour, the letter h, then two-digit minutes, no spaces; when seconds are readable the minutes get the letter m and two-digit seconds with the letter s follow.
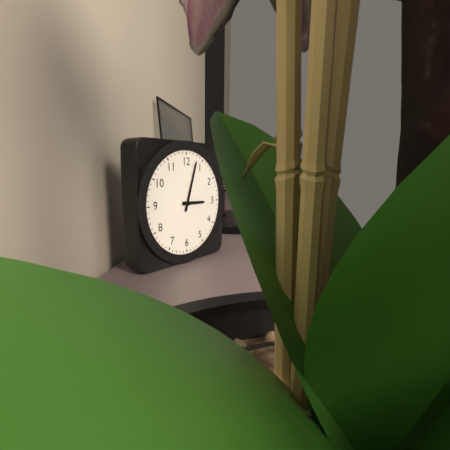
3h03
